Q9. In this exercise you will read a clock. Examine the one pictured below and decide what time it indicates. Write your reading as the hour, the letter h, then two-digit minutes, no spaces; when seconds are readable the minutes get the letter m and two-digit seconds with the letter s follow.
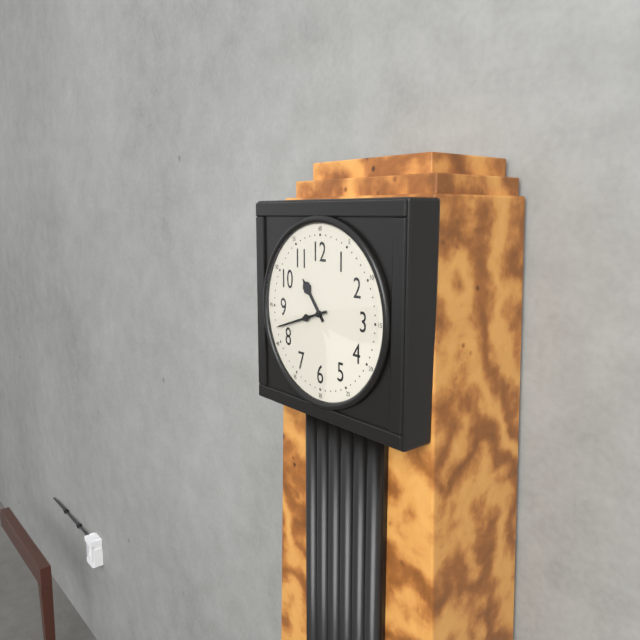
10h42
